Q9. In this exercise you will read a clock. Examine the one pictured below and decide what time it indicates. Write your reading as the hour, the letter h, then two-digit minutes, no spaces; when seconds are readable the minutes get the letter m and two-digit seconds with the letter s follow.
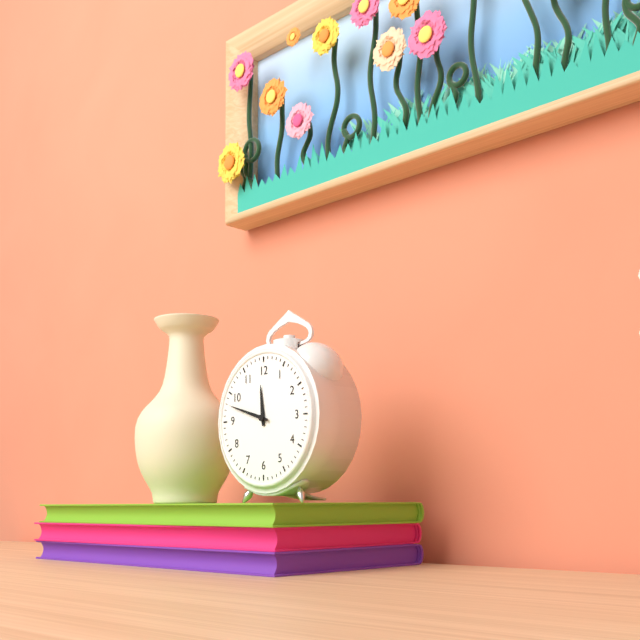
11h48
